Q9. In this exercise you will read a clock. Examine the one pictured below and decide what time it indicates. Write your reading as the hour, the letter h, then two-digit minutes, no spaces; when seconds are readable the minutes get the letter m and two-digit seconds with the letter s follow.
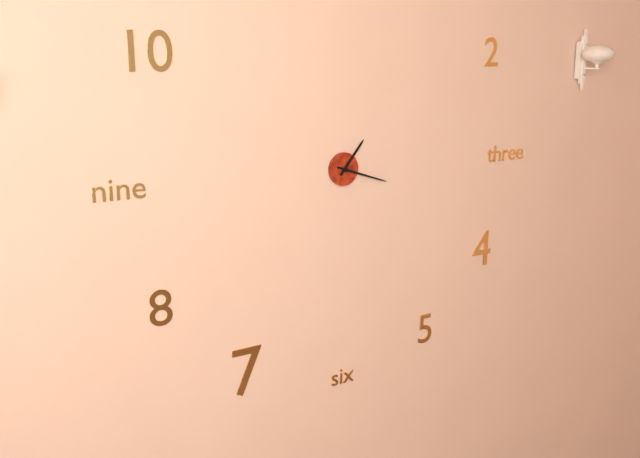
1h18
